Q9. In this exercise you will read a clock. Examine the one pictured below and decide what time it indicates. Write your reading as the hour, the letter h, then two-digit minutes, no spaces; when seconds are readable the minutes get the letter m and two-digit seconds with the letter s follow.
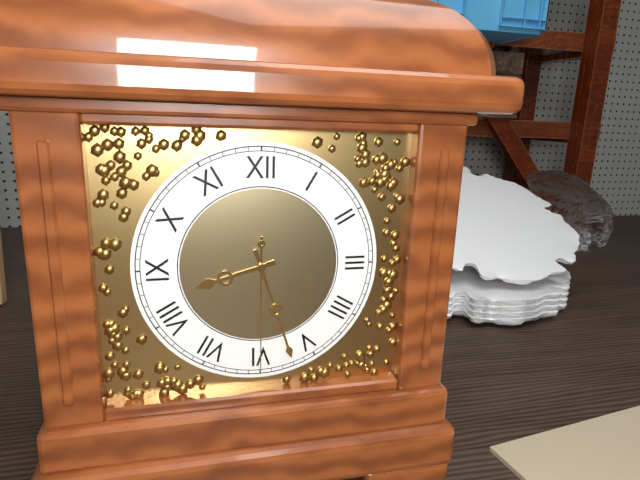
8h27m30s
